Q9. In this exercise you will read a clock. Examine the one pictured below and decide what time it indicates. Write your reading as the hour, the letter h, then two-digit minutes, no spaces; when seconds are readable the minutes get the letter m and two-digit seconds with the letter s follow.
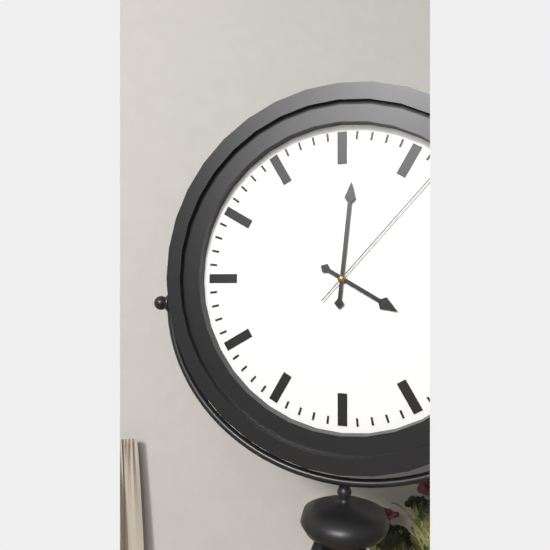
4h01m07s
